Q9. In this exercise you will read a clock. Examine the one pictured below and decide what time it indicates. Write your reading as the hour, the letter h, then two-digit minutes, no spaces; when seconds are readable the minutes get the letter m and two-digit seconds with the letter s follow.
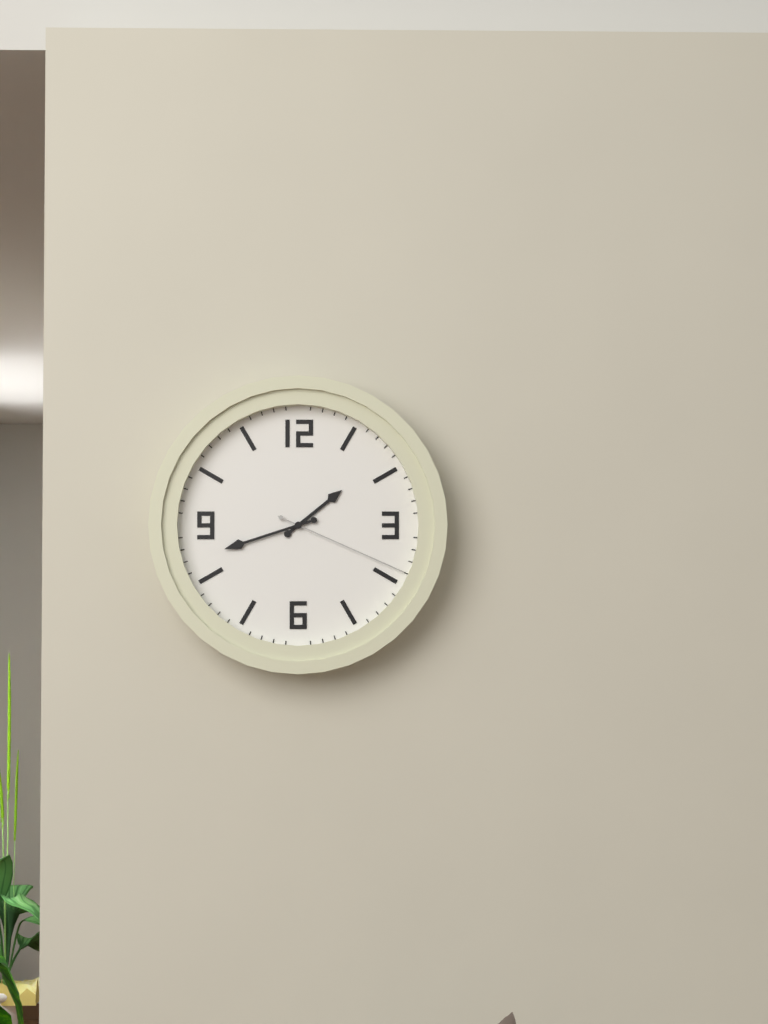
1h42m19s
